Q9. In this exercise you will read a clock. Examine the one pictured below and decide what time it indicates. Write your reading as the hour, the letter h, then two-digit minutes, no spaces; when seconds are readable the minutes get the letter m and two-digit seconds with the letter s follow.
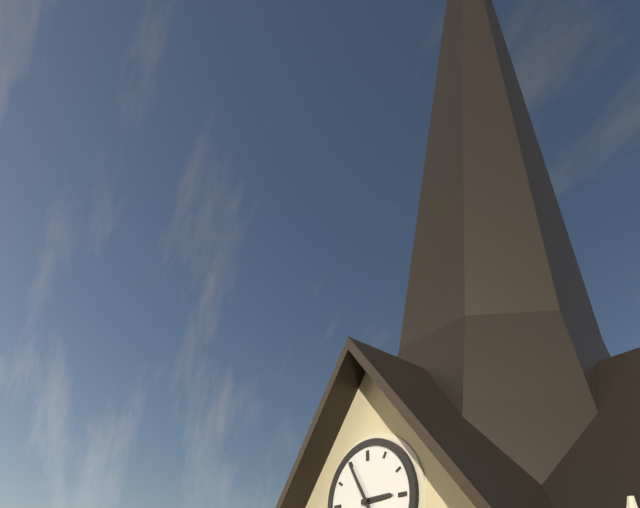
2h55
